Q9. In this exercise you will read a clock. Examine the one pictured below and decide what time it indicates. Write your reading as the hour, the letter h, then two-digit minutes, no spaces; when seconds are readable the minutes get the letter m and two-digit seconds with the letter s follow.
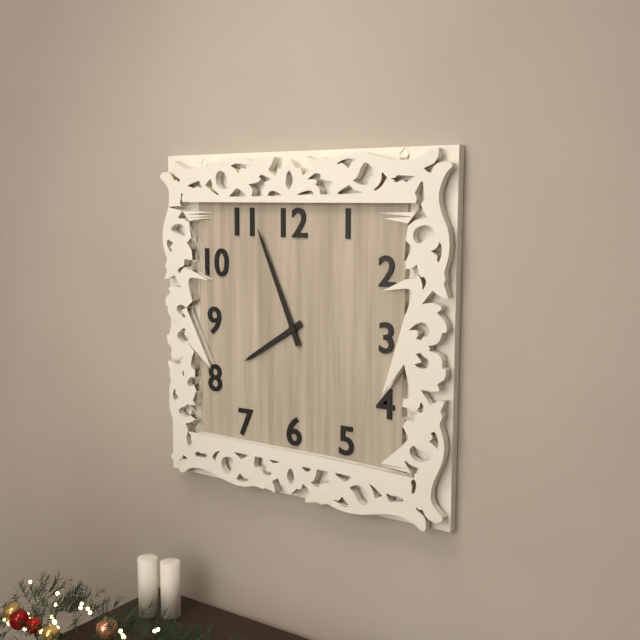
7h56
